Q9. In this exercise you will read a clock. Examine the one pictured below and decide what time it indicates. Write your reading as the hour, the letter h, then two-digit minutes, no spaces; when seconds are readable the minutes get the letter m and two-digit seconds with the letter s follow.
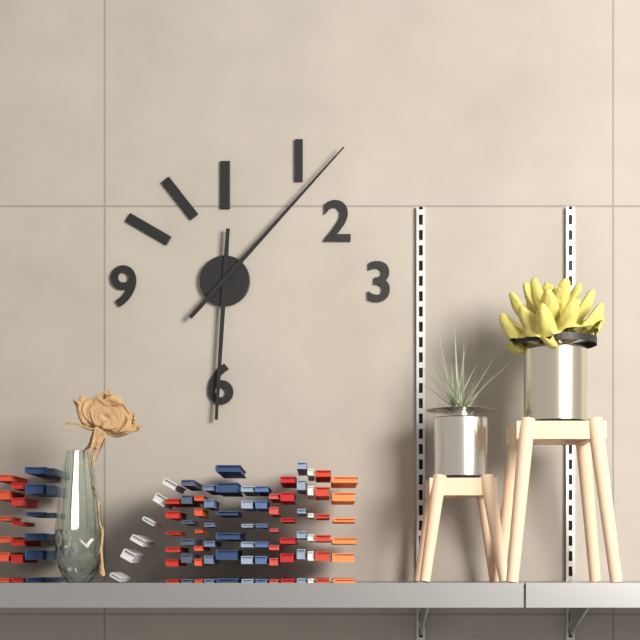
6h07
